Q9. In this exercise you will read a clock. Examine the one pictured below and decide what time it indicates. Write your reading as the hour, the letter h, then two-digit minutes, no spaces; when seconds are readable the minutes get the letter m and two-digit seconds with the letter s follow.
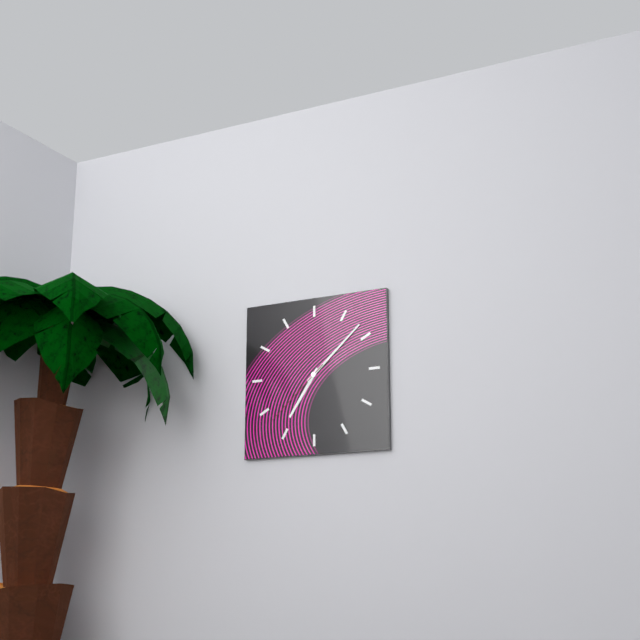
7h08m38s
